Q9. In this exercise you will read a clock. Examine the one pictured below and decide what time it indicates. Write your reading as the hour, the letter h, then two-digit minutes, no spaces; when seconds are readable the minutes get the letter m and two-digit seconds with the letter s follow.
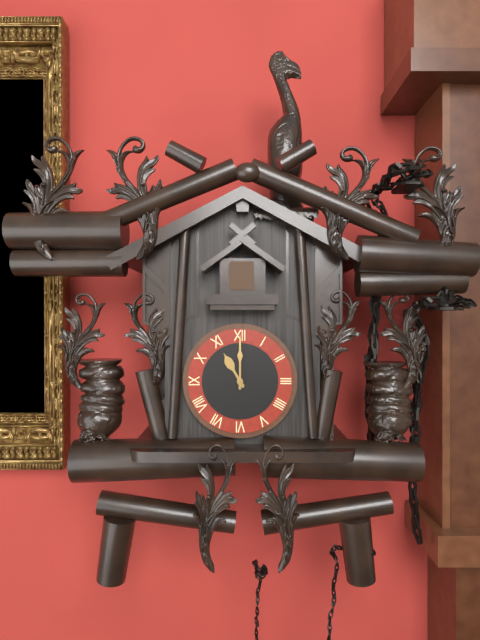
11h00
